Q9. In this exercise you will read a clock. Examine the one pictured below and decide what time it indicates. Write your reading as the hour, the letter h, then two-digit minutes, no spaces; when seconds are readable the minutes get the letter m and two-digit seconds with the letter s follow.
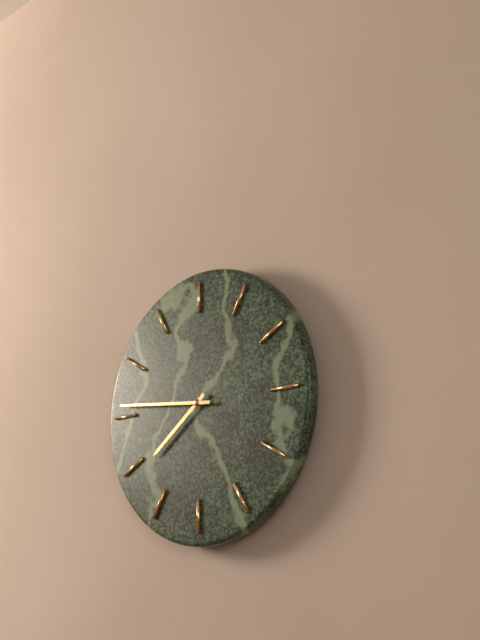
7h46
